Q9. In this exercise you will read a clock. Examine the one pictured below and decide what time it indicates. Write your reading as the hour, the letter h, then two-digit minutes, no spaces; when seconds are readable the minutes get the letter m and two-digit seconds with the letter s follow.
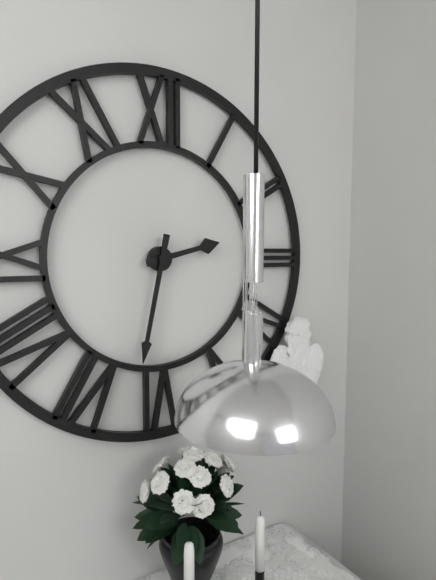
2h32
